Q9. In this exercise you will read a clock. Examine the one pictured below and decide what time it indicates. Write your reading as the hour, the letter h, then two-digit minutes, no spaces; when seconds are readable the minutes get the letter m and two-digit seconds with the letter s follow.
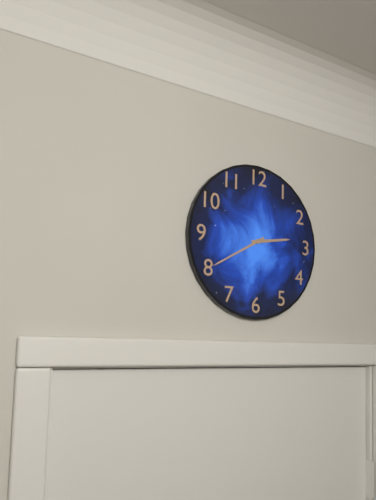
2h40
